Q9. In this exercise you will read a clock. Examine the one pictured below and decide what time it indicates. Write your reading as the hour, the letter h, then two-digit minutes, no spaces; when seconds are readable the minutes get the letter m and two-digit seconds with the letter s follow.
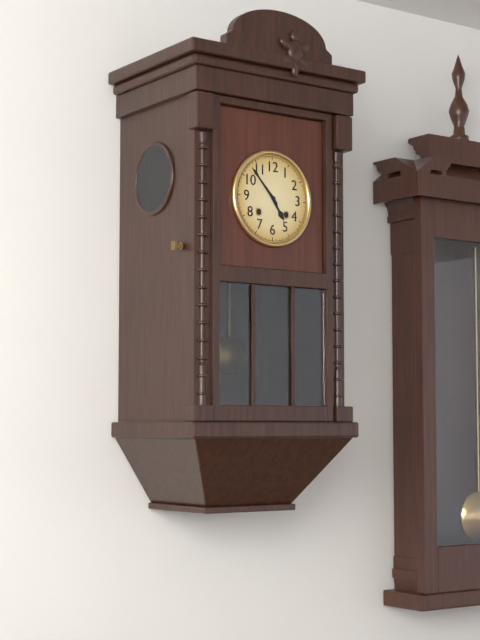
4h53
